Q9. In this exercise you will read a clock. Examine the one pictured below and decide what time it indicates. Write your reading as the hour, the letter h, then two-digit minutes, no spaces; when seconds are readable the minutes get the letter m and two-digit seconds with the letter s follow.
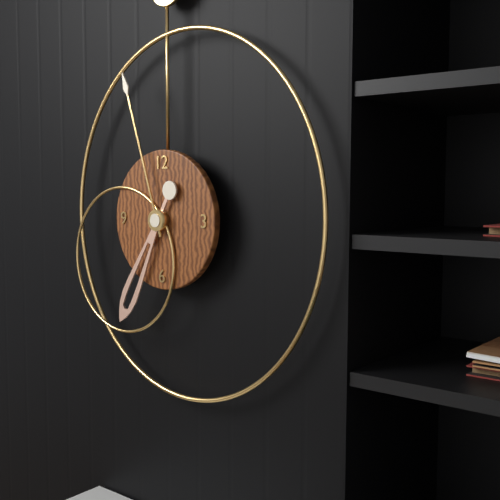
6h57
